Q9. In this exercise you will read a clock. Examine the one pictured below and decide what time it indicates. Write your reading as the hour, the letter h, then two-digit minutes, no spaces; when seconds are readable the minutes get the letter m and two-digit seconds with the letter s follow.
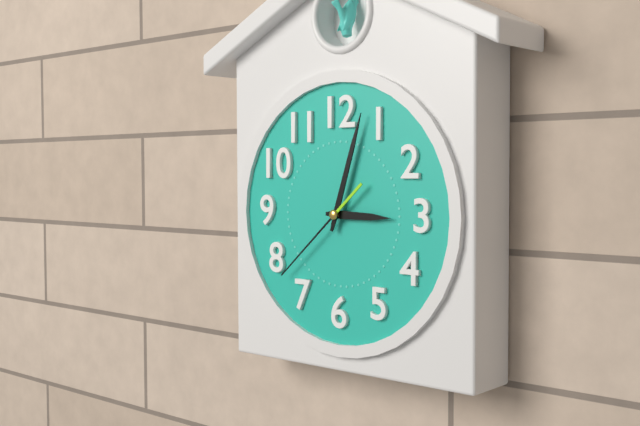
3h03m38s
